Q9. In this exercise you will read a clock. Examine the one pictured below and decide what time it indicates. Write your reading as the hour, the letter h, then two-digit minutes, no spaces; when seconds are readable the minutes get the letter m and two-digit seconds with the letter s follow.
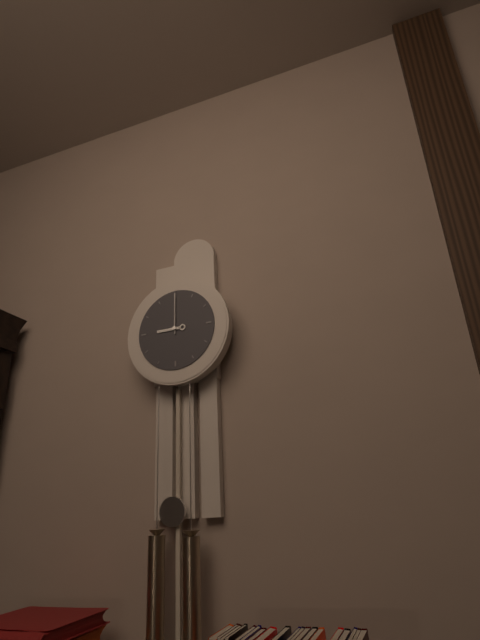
9h00
